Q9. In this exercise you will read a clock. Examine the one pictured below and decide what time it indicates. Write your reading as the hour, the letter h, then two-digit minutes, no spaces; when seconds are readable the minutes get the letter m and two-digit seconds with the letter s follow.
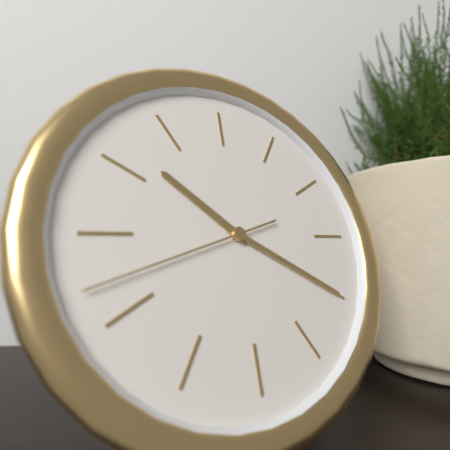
10h20m42s
